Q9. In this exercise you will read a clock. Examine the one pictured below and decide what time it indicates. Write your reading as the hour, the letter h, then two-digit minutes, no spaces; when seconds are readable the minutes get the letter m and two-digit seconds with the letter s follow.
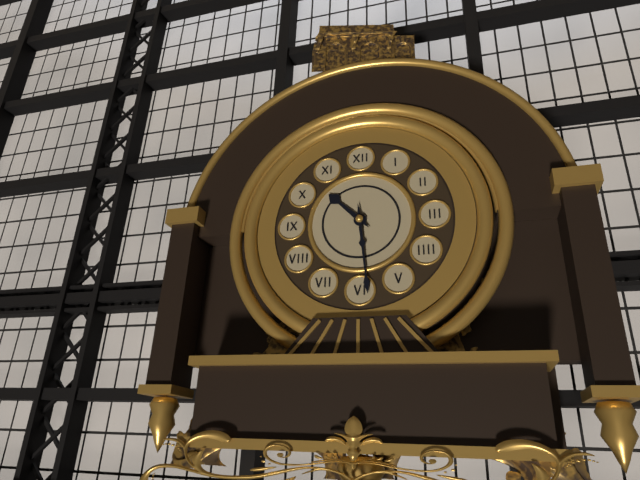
10h29
